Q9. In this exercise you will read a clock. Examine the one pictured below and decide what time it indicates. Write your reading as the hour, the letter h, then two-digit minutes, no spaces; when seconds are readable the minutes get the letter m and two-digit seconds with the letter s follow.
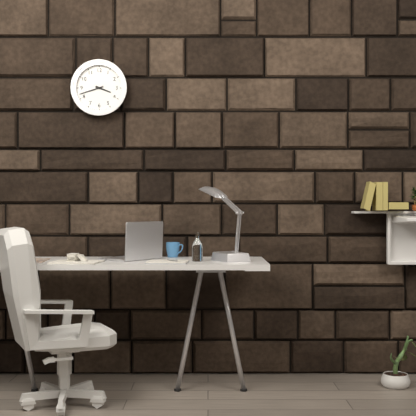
3h42
